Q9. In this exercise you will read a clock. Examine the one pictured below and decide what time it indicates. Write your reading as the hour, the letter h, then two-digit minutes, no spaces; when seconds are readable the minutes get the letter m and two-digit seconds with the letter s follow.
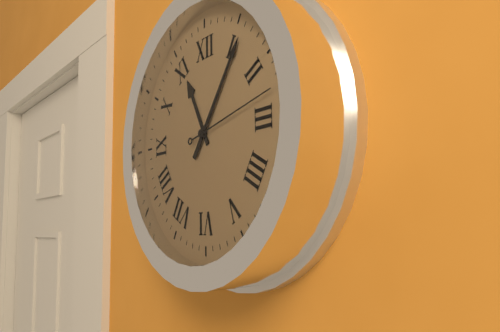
11h06m13s
